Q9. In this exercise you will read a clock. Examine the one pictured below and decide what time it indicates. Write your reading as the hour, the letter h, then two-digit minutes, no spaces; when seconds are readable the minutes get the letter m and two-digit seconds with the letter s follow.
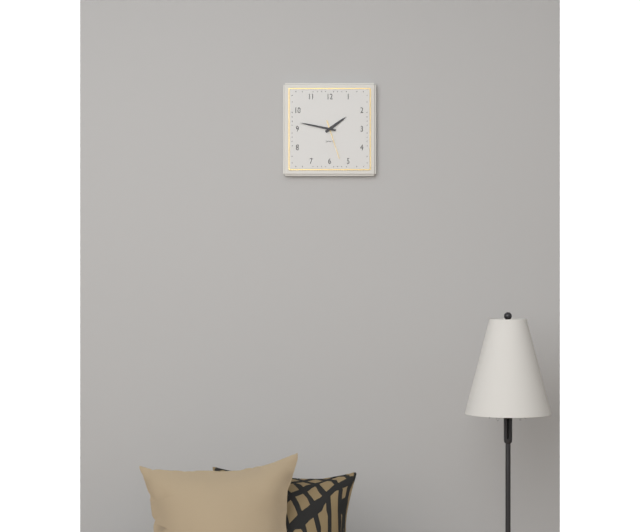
1h47
